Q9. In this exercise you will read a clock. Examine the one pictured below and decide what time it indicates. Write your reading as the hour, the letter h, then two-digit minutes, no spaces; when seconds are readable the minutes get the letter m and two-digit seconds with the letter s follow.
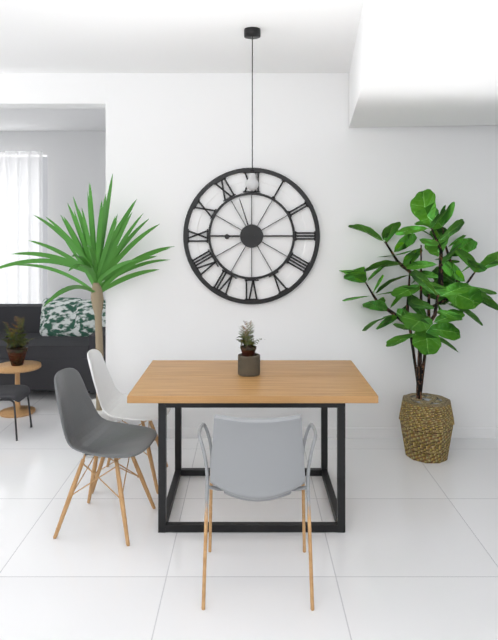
8h57
